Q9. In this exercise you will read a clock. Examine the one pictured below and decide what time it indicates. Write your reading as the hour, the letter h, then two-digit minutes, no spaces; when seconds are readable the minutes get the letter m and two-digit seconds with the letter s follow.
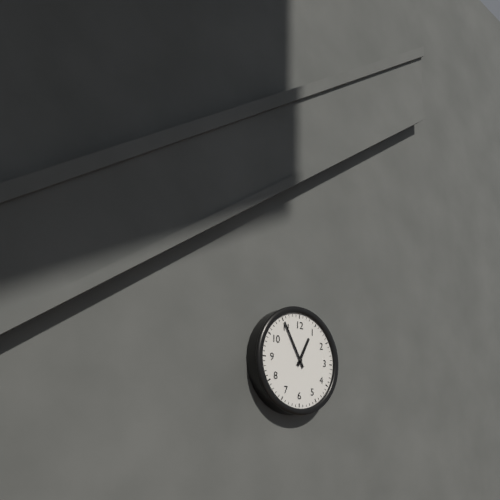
12h55
